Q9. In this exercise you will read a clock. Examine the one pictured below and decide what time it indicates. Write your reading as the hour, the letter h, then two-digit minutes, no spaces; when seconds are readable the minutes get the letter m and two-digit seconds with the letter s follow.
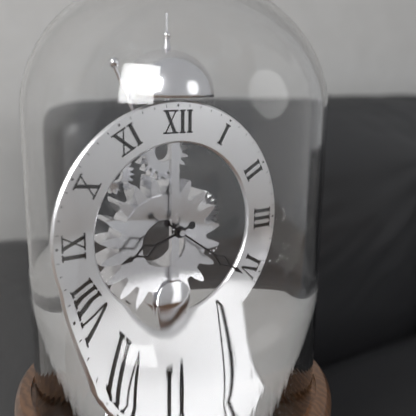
8h21
